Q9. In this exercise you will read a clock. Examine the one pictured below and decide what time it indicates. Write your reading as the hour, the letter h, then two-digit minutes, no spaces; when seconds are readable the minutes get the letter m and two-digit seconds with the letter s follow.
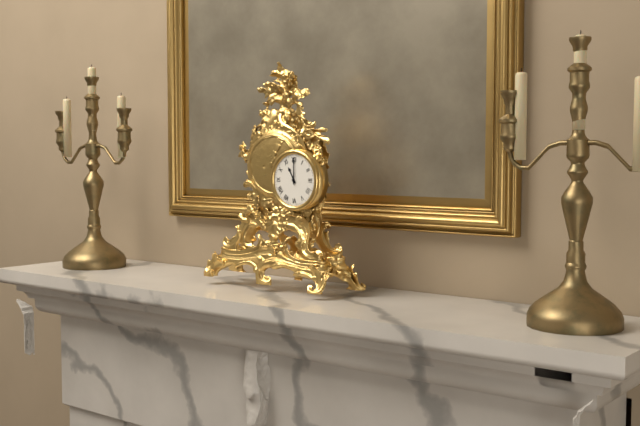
11h00
